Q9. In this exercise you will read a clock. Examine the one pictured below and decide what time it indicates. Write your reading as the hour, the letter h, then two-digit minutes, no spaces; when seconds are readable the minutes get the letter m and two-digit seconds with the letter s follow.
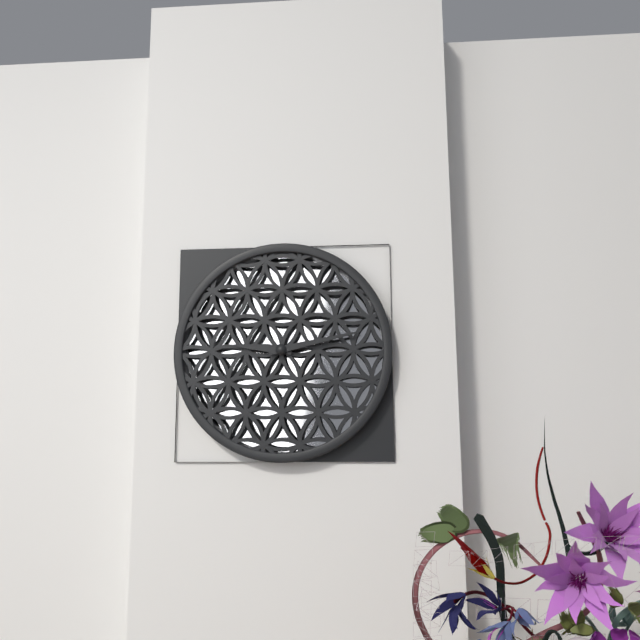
9h13
